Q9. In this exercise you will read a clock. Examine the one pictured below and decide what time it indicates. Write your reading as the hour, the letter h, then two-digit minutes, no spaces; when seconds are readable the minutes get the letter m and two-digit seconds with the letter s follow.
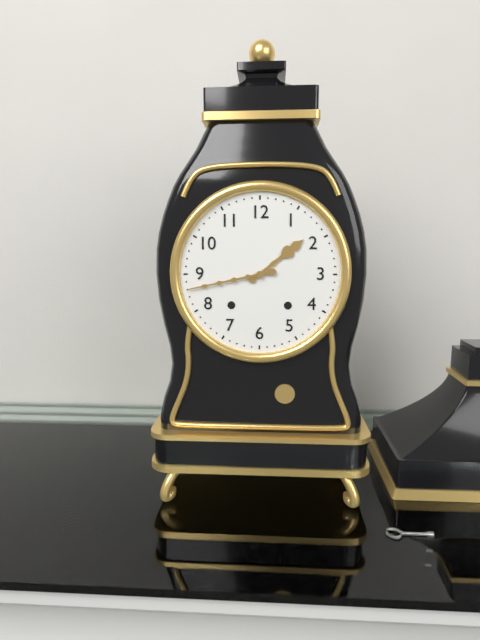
1h43
